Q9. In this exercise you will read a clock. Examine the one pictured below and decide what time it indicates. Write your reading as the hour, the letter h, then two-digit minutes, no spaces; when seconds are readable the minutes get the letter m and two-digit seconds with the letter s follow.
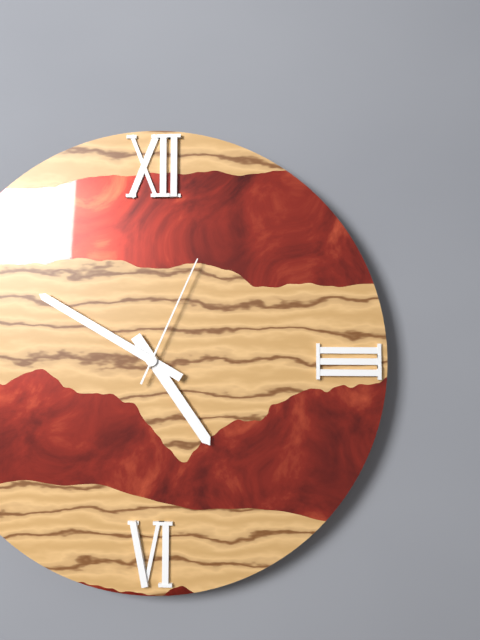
4h50m04s
